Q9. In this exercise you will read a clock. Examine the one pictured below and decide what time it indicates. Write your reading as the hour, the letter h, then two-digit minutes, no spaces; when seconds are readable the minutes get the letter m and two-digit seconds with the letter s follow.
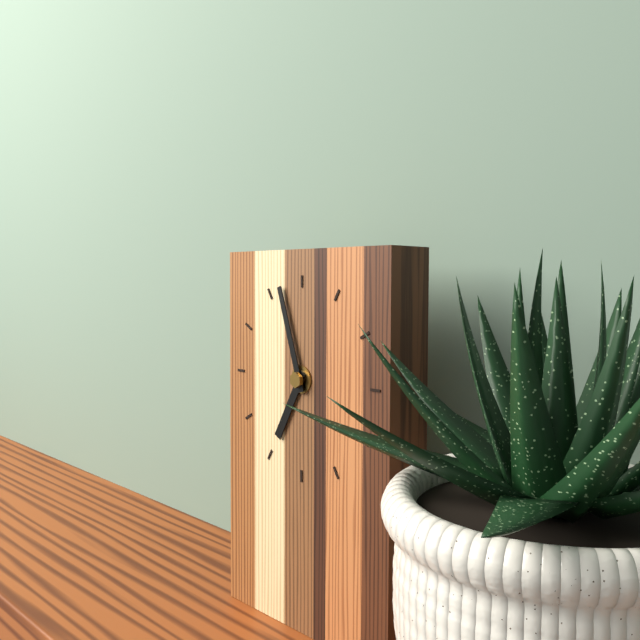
6h57
